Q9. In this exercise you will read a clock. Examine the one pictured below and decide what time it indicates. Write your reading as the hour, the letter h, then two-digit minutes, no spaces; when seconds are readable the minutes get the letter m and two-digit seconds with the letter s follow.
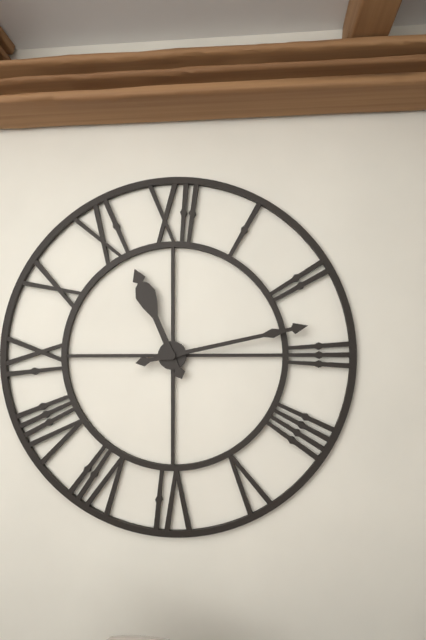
11h13
